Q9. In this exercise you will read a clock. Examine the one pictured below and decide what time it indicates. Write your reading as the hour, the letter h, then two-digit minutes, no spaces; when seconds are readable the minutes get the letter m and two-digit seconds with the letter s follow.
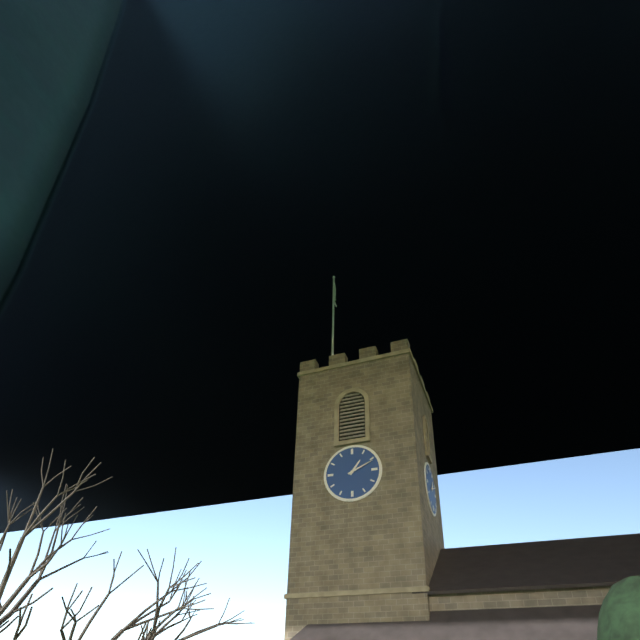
1h11
